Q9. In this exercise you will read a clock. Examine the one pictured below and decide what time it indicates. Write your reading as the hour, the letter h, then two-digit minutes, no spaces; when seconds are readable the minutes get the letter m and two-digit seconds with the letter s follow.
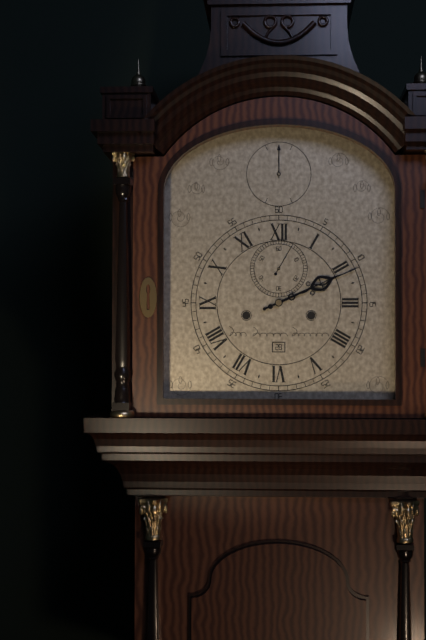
2h11
